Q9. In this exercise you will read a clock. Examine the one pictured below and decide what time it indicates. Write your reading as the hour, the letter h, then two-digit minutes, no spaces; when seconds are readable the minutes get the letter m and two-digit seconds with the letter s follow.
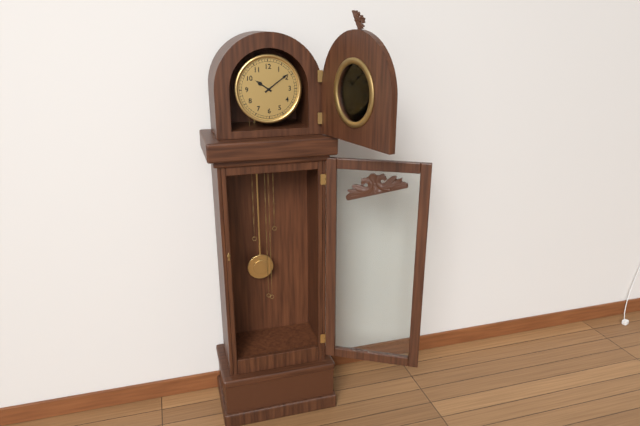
10h09
